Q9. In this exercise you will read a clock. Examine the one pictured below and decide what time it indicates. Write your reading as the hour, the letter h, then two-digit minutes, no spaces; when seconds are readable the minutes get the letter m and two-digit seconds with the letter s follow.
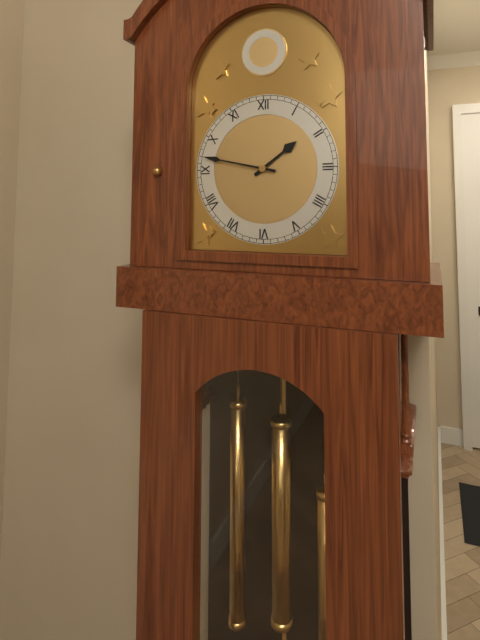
1h47
